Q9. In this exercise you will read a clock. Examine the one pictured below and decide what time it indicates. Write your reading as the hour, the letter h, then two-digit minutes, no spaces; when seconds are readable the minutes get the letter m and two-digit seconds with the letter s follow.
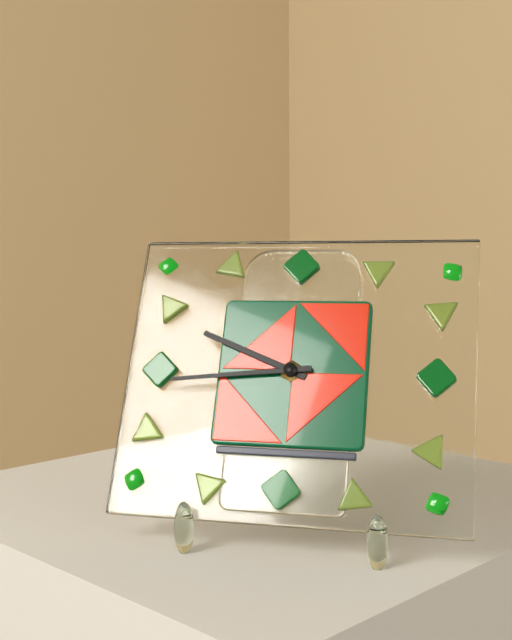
9h44
